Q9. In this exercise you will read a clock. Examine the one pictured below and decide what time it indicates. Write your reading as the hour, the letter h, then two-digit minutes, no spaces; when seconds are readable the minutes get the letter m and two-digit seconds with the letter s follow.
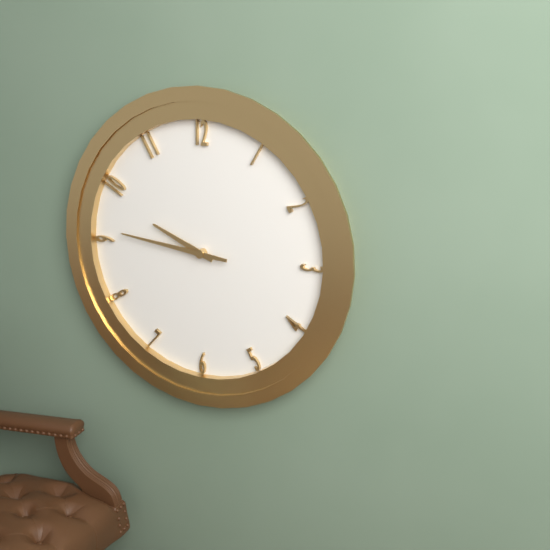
9h46
